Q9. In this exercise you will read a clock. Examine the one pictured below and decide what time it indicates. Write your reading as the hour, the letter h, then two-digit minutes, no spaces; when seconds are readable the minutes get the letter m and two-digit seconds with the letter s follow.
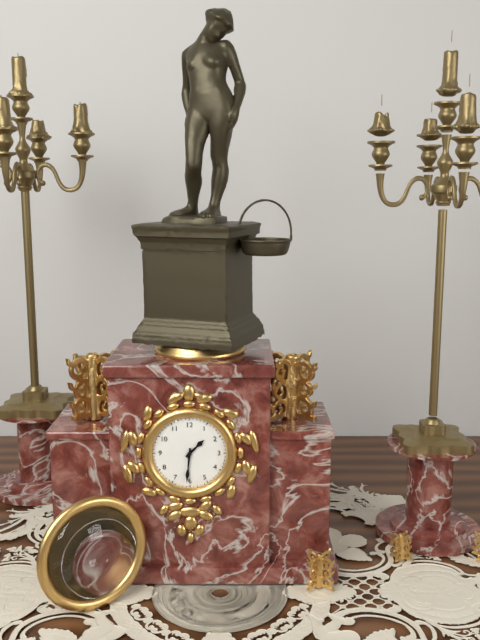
1h31
